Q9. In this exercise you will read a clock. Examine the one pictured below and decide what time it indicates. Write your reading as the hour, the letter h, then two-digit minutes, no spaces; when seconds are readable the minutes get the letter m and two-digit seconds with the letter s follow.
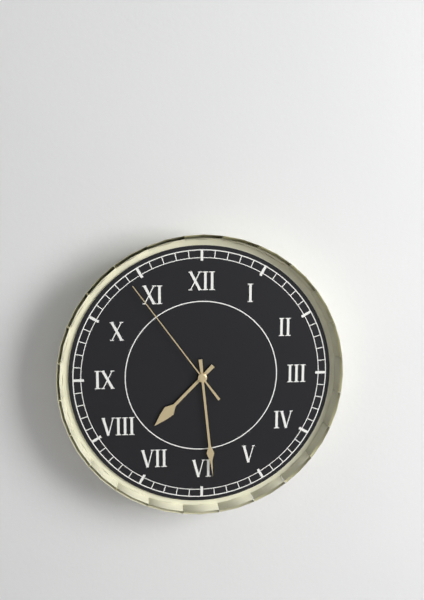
7h29m54s
